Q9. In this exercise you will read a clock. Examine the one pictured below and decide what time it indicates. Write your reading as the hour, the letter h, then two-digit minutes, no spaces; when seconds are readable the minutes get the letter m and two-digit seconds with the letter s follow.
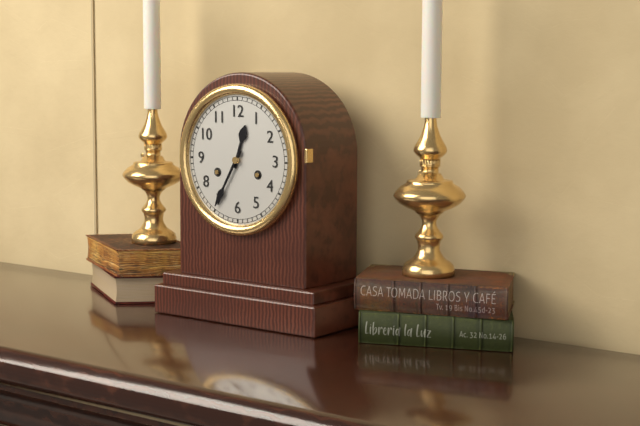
12h35
